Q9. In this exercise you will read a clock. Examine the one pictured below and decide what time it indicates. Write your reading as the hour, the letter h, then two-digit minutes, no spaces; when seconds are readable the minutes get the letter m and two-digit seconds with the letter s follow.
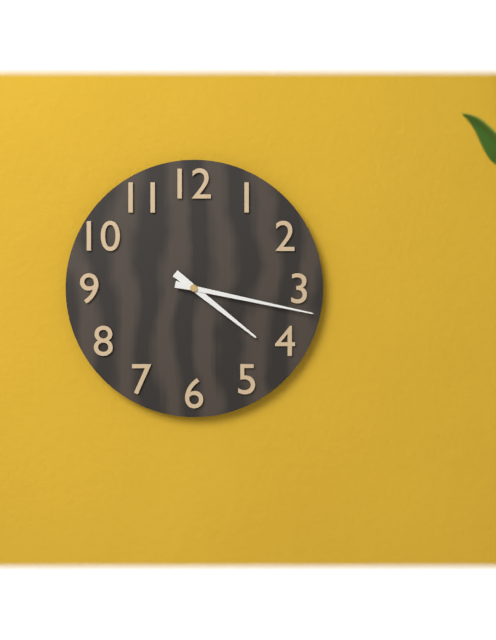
4h17
